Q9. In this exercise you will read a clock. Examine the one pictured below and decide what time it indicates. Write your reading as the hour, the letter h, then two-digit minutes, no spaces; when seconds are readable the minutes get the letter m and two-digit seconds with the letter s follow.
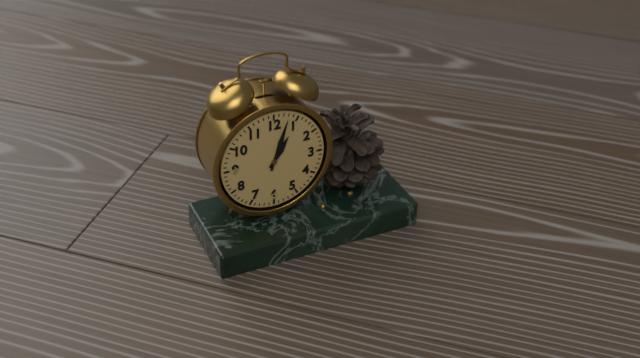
1h03
